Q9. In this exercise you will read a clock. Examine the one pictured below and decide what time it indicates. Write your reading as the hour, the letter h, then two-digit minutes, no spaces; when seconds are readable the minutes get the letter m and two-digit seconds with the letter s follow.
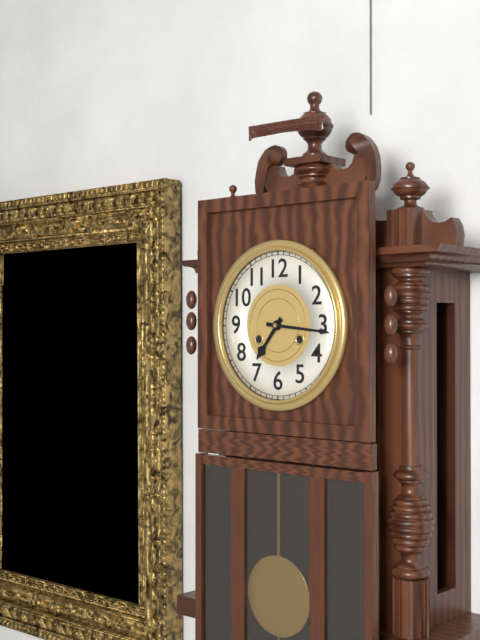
7h16
